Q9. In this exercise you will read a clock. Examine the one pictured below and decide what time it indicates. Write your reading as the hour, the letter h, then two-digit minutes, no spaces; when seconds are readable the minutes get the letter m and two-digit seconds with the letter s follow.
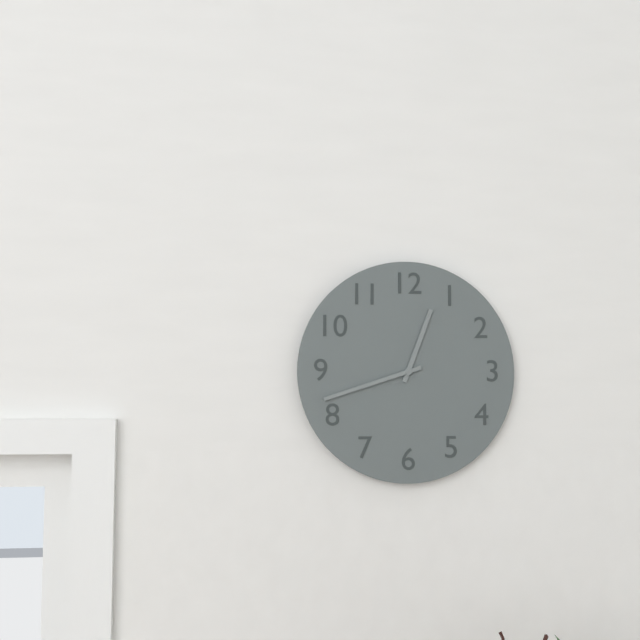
12h42
